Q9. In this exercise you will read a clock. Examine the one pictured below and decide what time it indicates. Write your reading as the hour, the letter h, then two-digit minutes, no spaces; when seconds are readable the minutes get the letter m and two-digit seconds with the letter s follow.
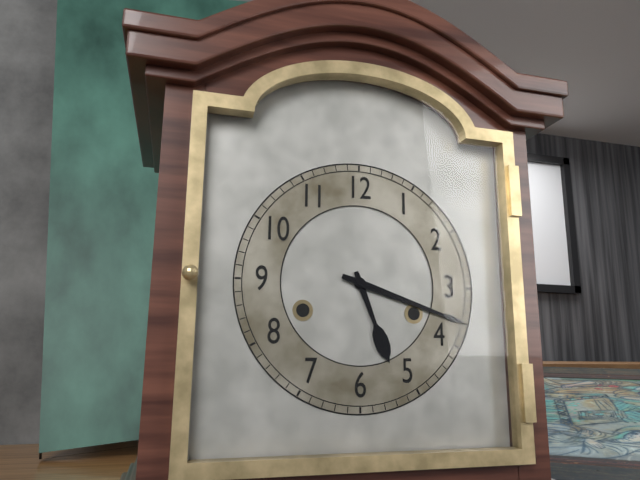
5h18
